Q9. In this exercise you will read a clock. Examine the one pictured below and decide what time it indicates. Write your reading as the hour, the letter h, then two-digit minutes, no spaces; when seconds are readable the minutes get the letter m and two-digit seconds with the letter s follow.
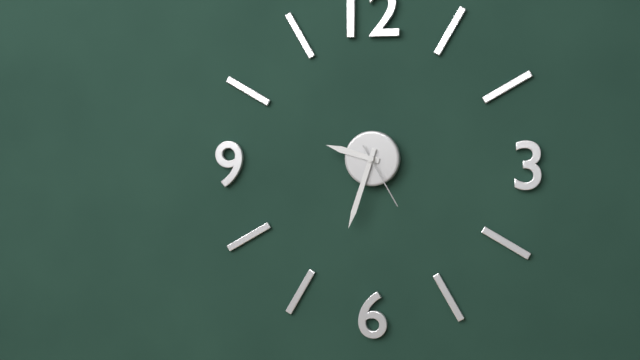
9h33m25s
